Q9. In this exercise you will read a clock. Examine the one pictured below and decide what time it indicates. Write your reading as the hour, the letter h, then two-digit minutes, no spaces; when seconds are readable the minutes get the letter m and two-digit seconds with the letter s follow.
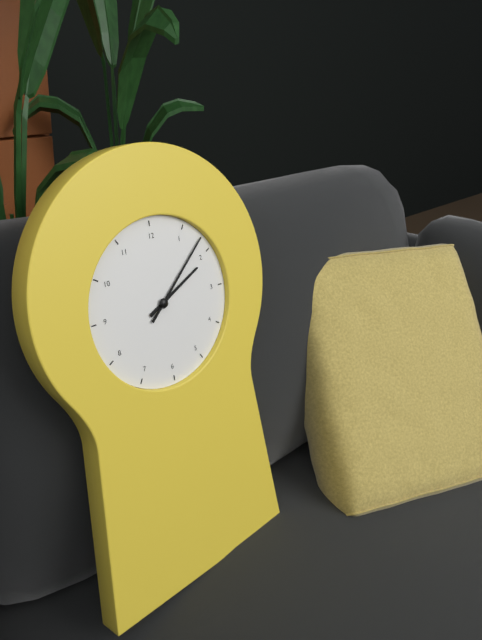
2h08
